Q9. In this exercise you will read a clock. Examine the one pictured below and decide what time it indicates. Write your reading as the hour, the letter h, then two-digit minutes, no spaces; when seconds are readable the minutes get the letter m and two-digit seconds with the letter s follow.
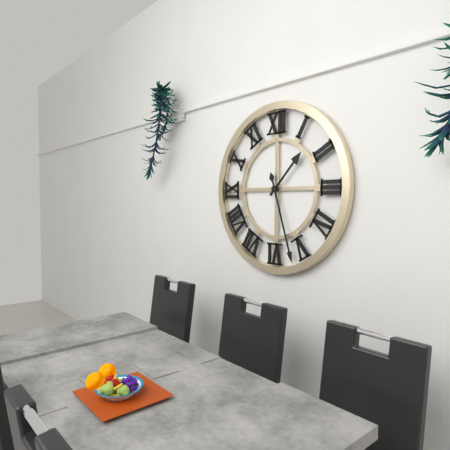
1h27
